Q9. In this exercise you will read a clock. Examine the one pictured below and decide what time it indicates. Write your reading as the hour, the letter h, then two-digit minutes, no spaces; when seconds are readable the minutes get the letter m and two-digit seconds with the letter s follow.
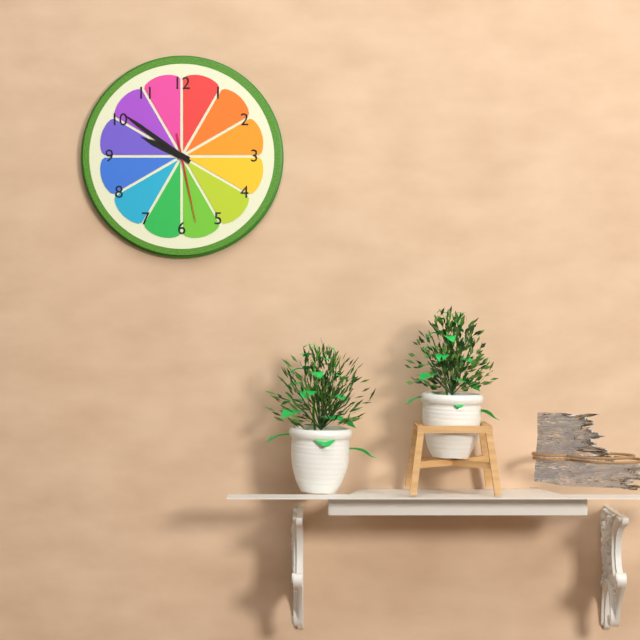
9h51m28s
